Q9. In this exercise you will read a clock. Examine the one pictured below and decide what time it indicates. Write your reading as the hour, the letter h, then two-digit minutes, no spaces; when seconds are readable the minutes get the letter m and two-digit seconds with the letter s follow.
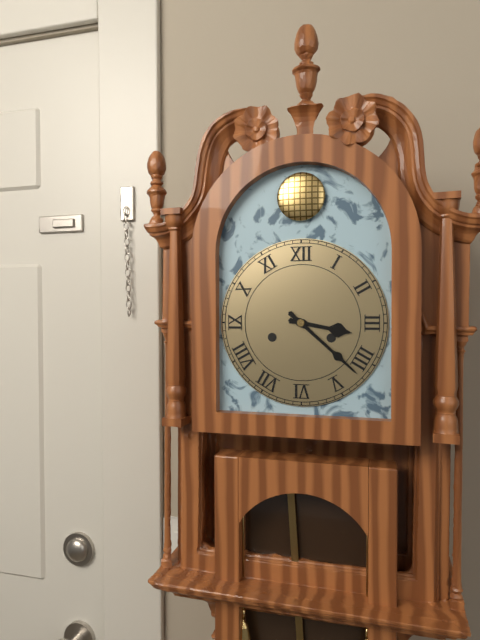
3h22
